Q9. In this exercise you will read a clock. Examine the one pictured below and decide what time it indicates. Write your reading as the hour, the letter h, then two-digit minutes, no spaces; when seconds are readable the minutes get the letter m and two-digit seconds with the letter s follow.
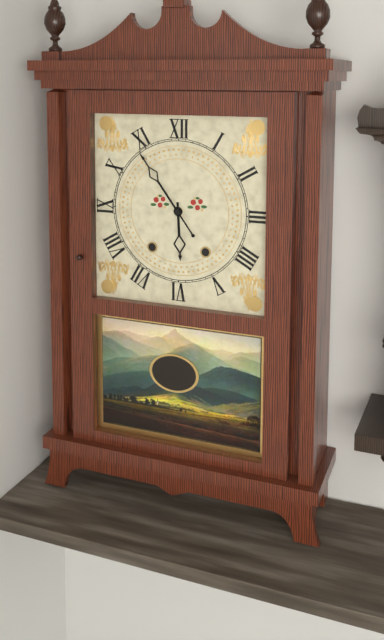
5h54
